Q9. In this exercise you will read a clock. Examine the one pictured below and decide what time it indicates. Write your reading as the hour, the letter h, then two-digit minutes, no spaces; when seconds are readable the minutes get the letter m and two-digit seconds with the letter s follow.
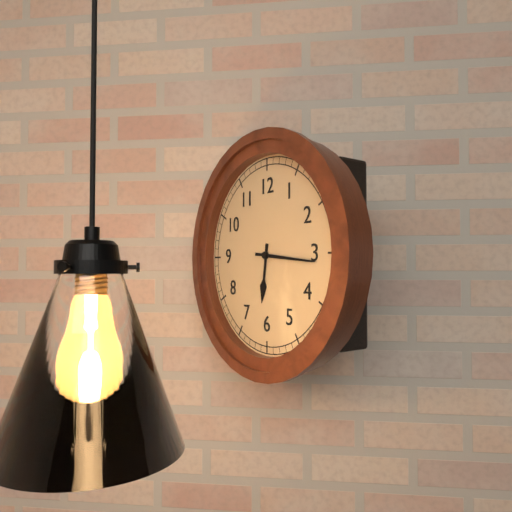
6h16
